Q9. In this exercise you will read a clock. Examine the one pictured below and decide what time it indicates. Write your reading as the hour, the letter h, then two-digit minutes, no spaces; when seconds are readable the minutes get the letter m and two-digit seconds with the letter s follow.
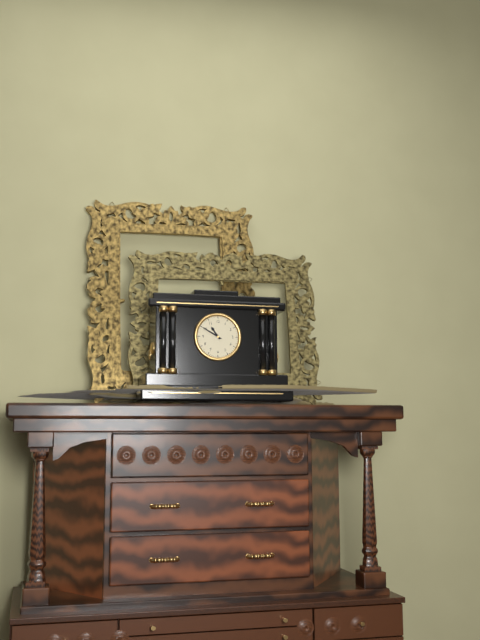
10h50
